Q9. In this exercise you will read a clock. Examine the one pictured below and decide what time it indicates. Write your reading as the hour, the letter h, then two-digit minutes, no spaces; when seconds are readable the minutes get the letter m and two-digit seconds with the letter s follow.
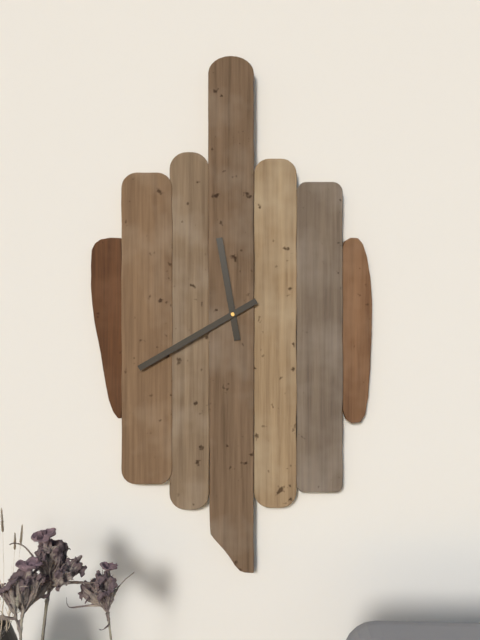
11h40
